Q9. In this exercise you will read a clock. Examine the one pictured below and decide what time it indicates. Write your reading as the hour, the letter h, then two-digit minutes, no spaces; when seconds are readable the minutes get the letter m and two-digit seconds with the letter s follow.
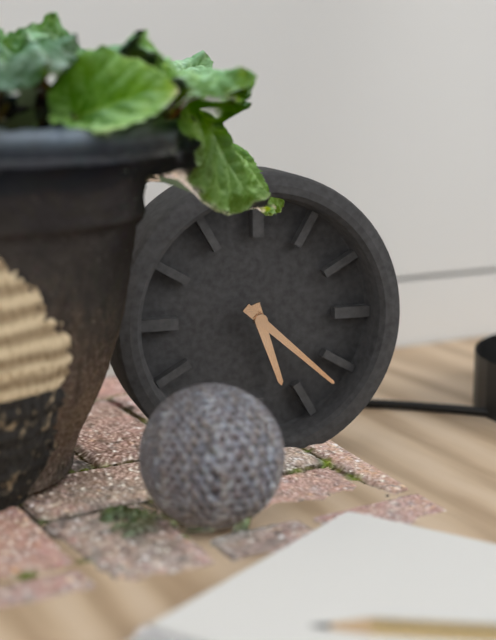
5h22
